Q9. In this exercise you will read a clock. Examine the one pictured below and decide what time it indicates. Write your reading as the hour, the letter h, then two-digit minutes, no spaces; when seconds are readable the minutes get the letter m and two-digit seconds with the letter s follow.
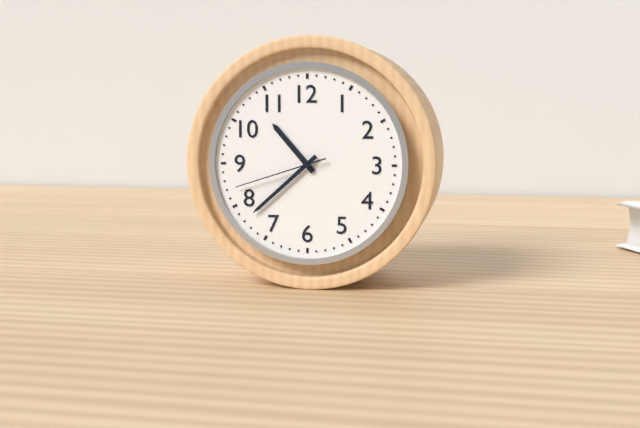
10h38m42s
